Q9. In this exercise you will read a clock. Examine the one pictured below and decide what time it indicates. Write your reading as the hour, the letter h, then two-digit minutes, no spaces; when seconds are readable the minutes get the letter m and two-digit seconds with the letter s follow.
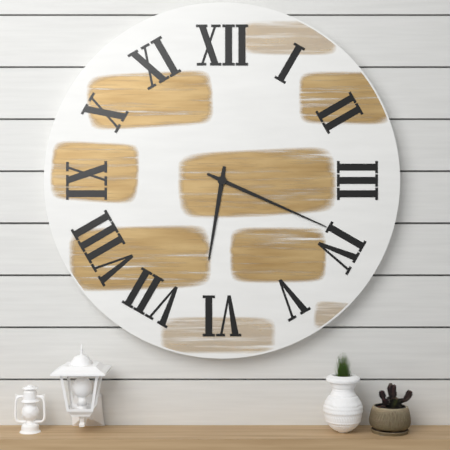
6h19
